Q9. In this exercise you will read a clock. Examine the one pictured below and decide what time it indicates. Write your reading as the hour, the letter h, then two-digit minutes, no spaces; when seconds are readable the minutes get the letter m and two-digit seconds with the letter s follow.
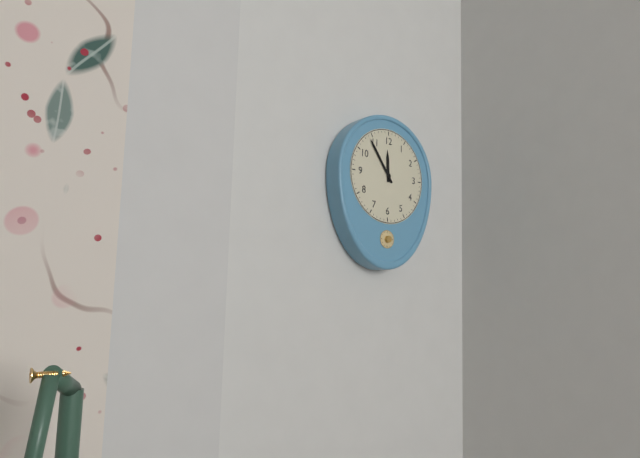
11h54
